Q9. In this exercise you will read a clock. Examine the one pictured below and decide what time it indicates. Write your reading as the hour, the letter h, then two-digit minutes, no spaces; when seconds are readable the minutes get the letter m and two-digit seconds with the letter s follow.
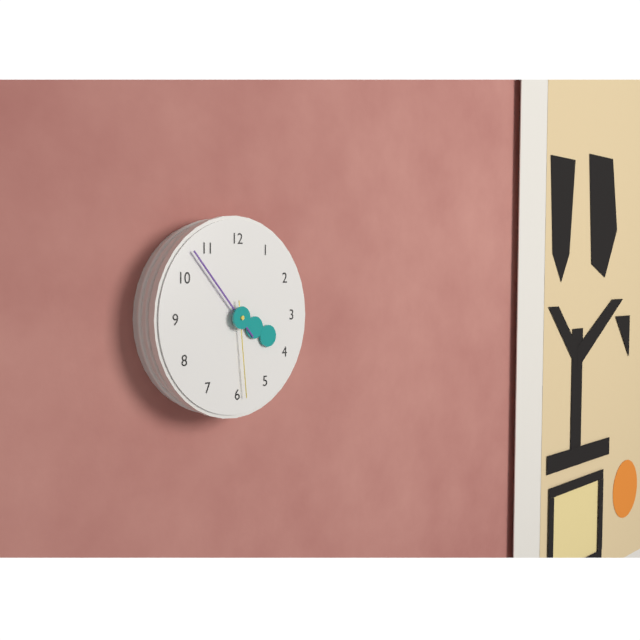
3h53m29s
